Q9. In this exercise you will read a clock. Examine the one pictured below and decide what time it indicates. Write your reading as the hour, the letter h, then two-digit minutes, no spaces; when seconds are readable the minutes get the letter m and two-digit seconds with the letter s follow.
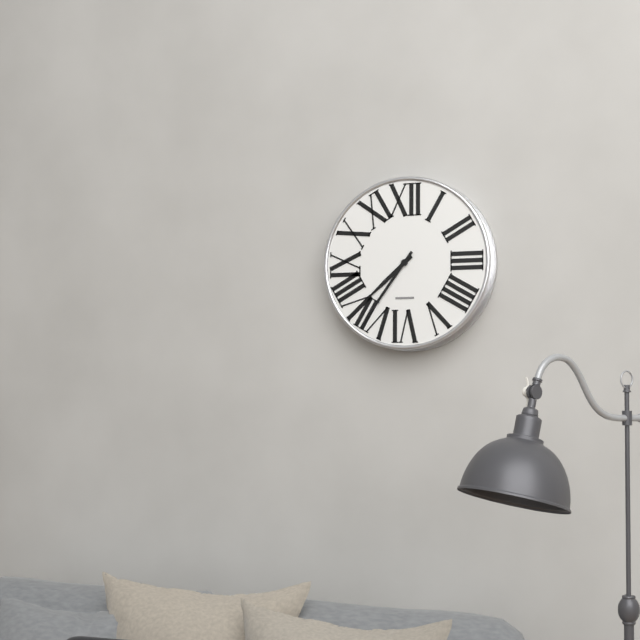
7h36
